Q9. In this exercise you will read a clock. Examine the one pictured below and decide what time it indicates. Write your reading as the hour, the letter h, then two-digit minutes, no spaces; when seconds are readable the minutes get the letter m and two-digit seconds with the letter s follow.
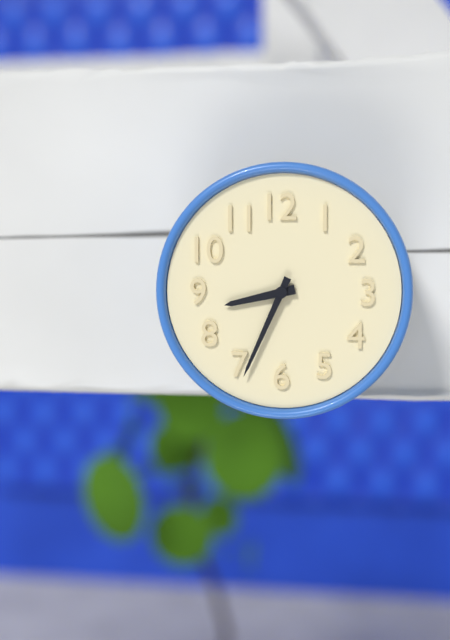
8h34
